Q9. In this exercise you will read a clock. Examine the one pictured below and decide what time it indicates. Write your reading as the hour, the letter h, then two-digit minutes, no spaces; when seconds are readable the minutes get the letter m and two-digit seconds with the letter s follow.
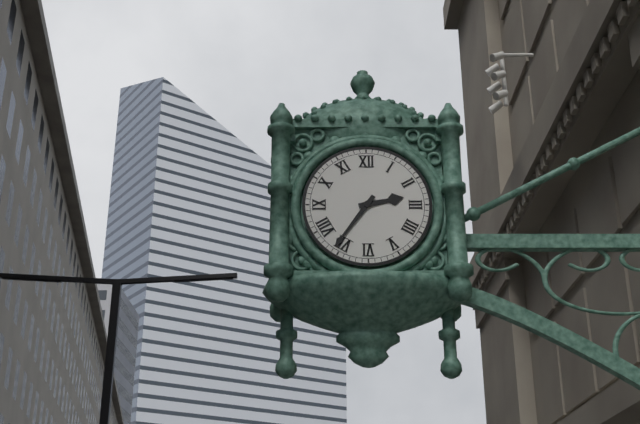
2h36
